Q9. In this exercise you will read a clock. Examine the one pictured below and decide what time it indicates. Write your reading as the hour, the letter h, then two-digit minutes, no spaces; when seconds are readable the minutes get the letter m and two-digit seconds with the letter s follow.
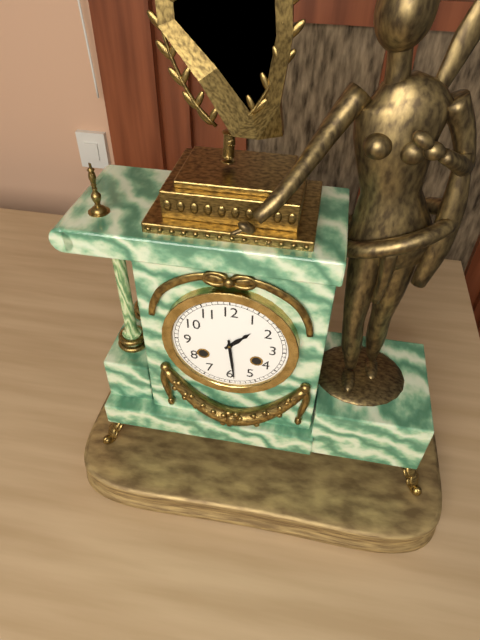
1h29
